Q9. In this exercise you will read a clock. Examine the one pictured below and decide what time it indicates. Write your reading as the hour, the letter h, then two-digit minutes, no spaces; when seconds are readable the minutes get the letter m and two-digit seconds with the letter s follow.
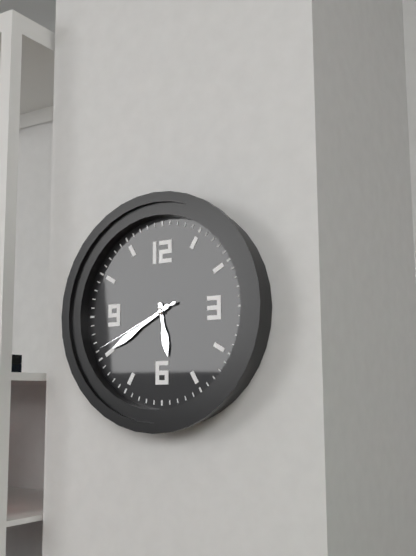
5h40m41s
